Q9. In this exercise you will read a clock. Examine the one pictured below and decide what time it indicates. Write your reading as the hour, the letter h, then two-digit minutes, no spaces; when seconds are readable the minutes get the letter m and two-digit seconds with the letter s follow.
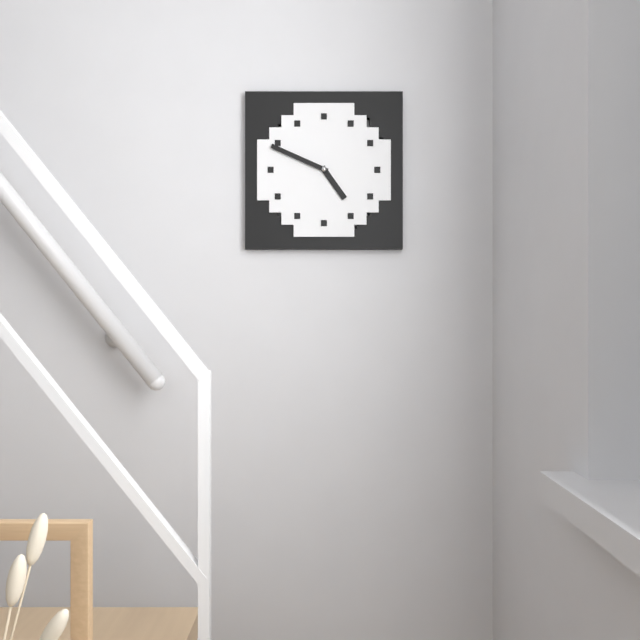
4h49
